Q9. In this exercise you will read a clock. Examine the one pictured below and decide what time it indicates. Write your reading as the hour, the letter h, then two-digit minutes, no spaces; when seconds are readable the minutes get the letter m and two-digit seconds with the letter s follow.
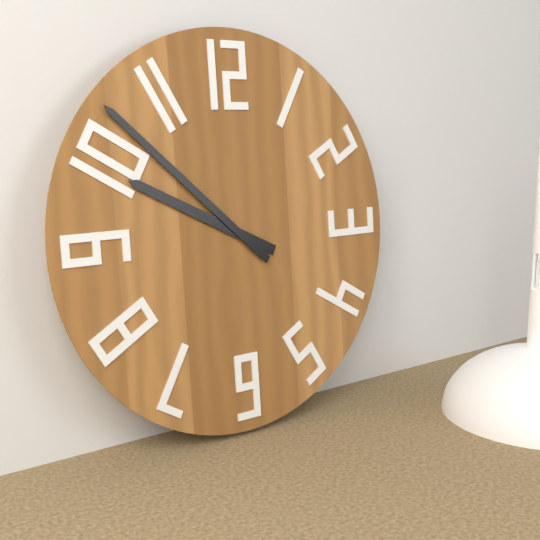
9h52
